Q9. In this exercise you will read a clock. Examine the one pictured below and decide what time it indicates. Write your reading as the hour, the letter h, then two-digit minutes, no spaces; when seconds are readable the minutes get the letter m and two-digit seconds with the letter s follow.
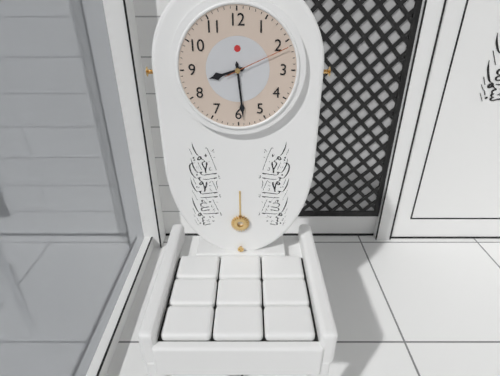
8h29m11s
